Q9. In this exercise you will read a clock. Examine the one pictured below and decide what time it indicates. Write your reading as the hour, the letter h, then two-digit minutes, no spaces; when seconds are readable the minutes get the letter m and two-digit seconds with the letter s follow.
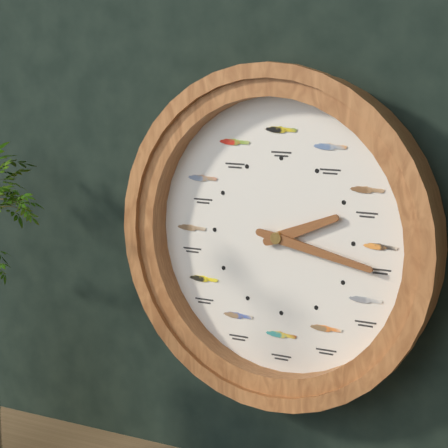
2h17
